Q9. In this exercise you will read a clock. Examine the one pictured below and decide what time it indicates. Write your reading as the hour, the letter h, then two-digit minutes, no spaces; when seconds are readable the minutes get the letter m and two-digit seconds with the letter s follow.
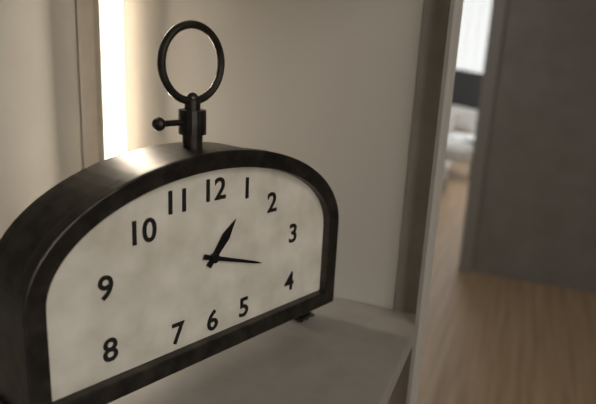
1h18
